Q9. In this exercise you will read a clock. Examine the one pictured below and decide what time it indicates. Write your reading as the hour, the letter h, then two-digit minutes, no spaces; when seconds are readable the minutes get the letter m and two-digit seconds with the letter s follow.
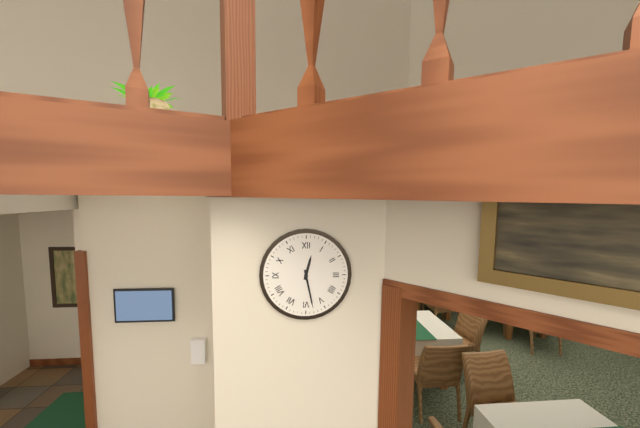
12h28
